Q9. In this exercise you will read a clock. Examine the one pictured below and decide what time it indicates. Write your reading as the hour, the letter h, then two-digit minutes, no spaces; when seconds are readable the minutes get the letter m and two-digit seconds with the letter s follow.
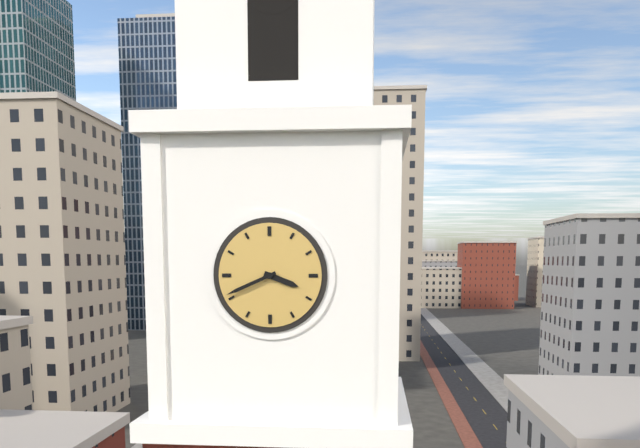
3h41
